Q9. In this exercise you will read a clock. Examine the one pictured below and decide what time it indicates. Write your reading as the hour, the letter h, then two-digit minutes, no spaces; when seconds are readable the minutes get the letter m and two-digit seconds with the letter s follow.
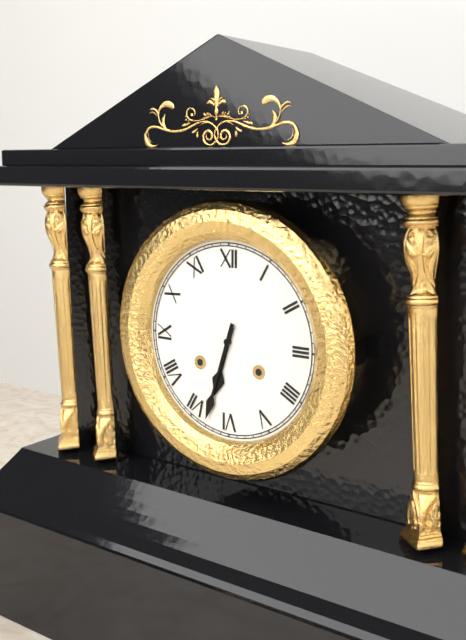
6h33
